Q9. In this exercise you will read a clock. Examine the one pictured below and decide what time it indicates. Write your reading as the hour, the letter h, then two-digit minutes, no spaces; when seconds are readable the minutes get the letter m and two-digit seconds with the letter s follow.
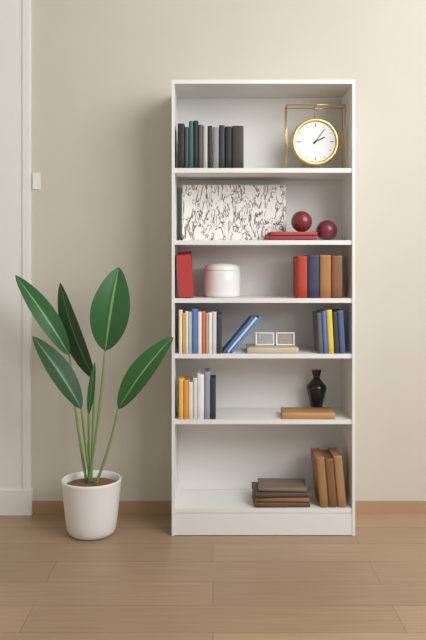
2h06
